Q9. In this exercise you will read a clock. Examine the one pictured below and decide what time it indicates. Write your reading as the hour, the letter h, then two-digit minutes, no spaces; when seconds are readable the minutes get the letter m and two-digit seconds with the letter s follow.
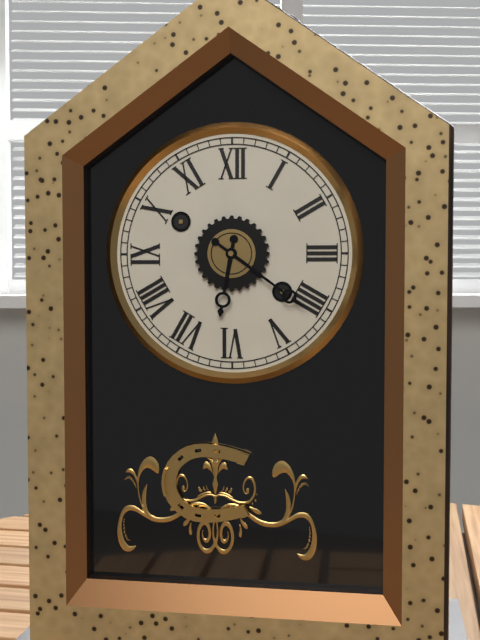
6h21
